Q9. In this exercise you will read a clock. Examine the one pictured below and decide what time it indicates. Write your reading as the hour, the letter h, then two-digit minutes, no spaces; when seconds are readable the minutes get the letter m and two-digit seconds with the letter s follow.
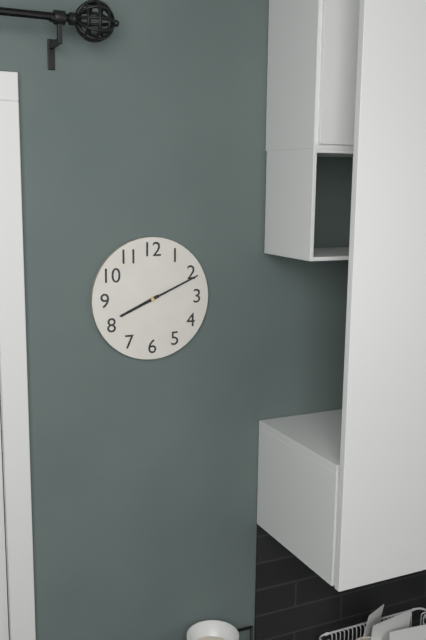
8h11
